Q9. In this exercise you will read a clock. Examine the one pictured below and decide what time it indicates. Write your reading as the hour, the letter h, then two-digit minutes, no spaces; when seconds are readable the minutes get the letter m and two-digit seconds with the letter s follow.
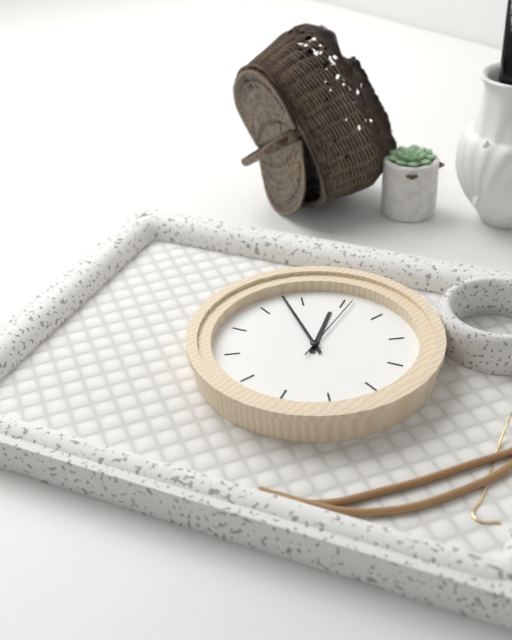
10h48m56s
